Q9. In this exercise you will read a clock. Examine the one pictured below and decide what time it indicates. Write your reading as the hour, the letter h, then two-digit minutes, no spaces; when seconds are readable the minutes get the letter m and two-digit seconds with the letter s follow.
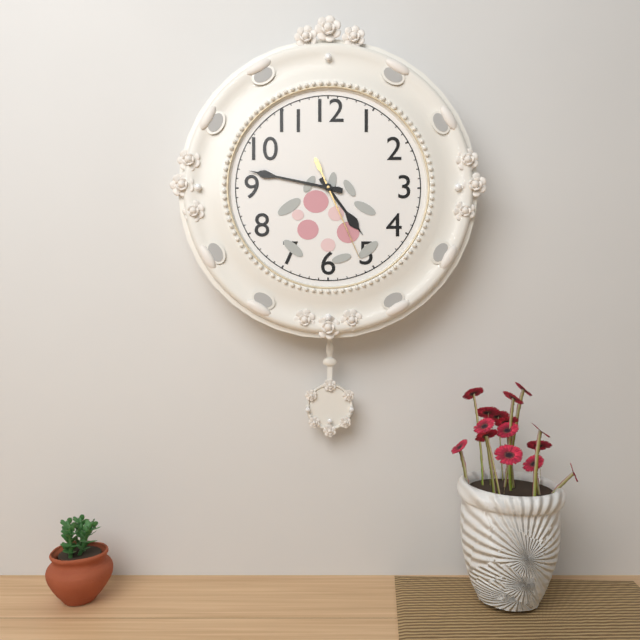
4h47m26s
